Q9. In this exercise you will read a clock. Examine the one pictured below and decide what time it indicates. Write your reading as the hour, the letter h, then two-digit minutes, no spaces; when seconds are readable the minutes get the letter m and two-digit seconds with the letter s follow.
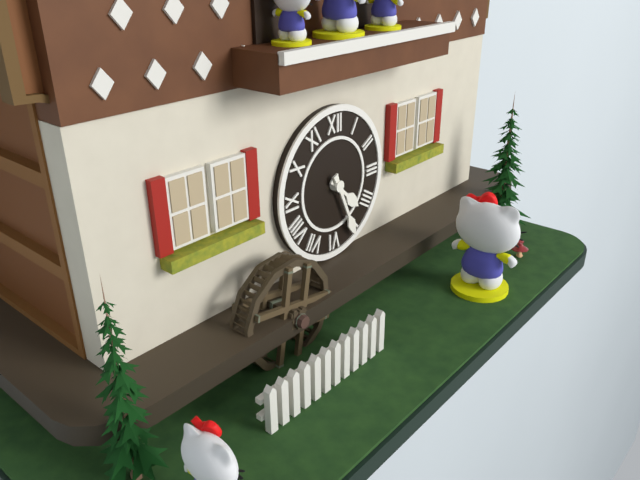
4h26
